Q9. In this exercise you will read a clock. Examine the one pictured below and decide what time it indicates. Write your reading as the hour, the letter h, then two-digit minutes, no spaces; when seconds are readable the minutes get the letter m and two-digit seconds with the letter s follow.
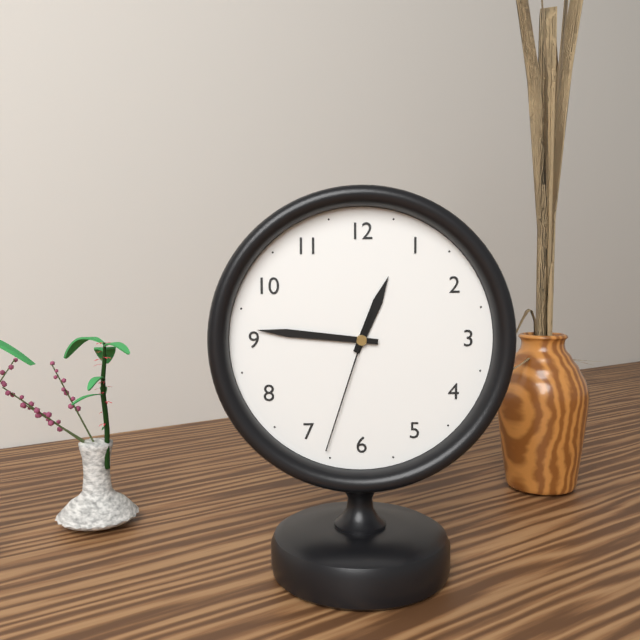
12h46m33s
